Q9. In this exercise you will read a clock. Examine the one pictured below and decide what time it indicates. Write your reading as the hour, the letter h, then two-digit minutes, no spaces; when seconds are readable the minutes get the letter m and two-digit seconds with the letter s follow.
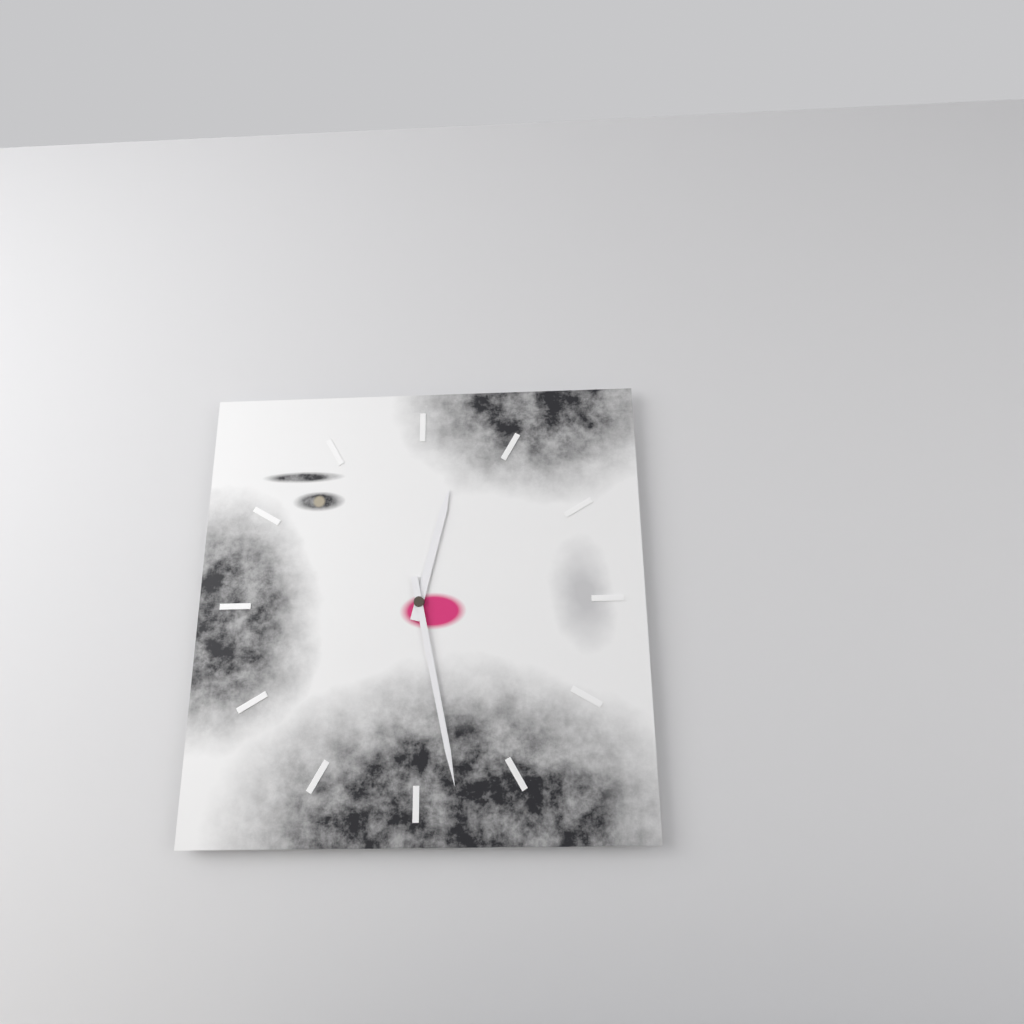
12h28
